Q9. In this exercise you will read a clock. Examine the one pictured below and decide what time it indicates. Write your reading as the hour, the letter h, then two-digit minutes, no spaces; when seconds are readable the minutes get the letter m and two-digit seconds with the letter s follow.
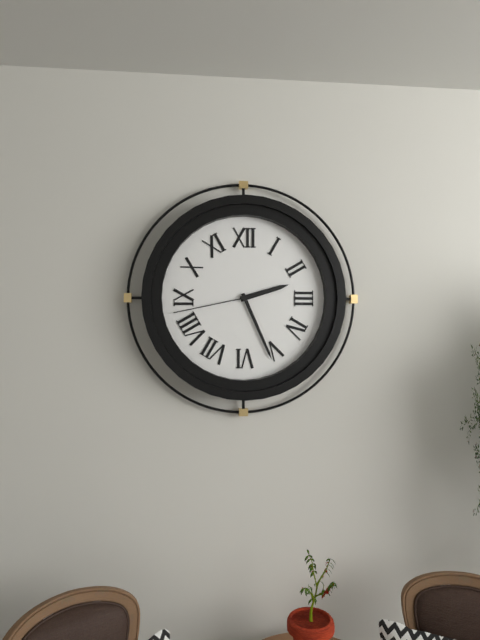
2h26m43s
